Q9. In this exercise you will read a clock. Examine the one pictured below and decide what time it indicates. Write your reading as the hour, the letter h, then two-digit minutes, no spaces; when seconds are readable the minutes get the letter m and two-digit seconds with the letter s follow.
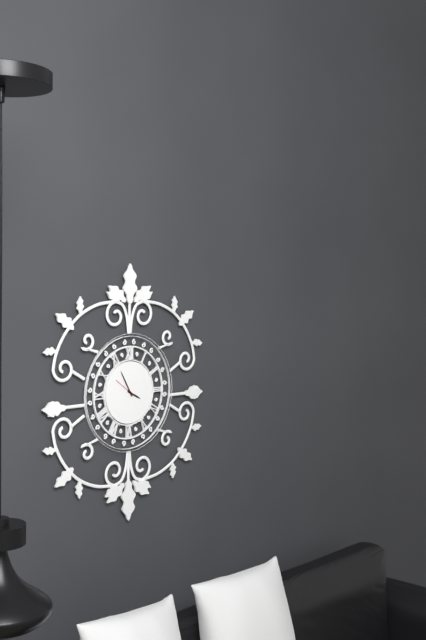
3h55
